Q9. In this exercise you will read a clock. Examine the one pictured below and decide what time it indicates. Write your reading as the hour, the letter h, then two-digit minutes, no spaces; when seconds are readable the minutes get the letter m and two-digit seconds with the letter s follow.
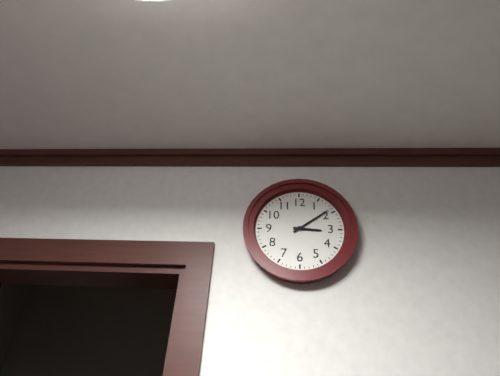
3h09
